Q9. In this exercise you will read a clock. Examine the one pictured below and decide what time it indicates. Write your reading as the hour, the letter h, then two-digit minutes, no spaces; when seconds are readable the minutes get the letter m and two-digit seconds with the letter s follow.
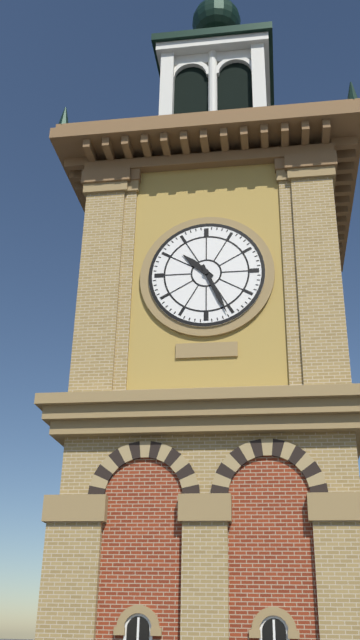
10h26
